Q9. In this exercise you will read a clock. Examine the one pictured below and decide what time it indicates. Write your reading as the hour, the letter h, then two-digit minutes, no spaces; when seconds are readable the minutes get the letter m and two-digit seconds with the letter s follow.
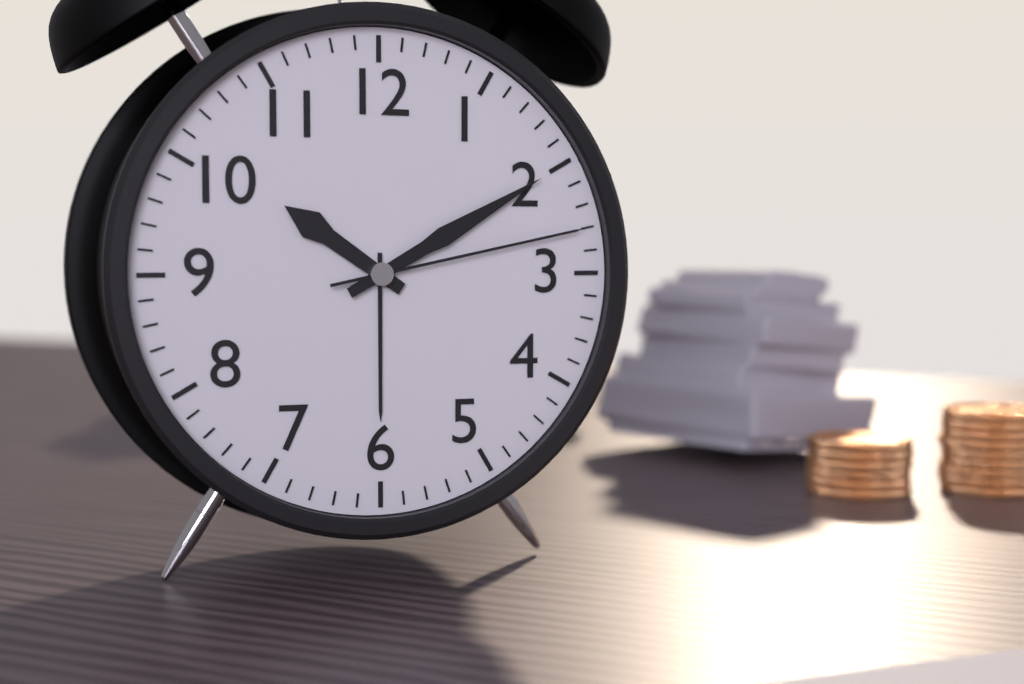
10h10m13s
